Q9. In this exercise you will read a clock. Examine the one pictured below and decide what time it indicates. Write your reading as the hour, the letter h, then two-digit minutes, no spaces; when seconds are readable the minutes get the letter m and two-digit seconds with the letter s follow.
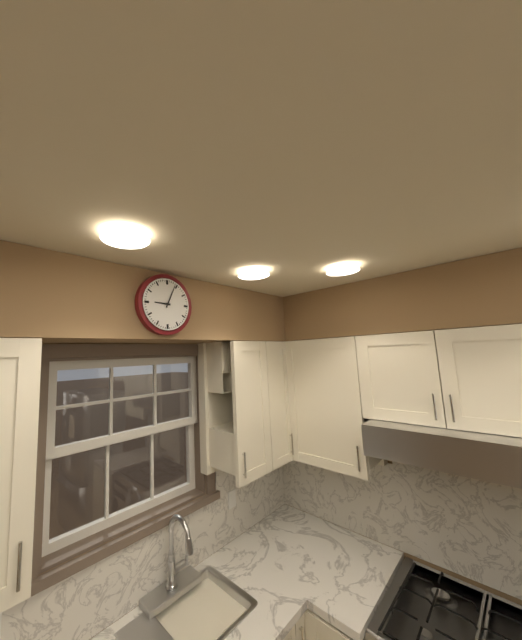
9h04
